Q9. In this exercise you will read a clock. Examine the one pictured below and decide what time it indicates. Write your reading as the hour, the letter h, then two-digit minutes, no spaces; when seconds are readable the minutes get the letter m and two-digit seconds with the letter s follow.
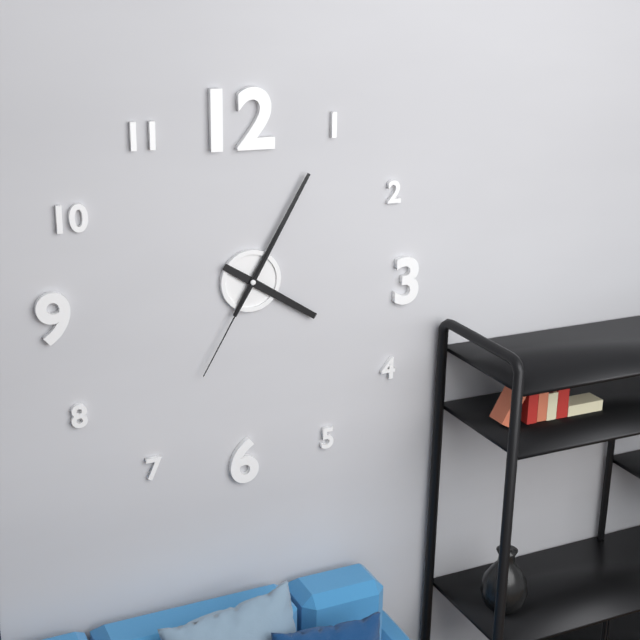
4h05m35s
